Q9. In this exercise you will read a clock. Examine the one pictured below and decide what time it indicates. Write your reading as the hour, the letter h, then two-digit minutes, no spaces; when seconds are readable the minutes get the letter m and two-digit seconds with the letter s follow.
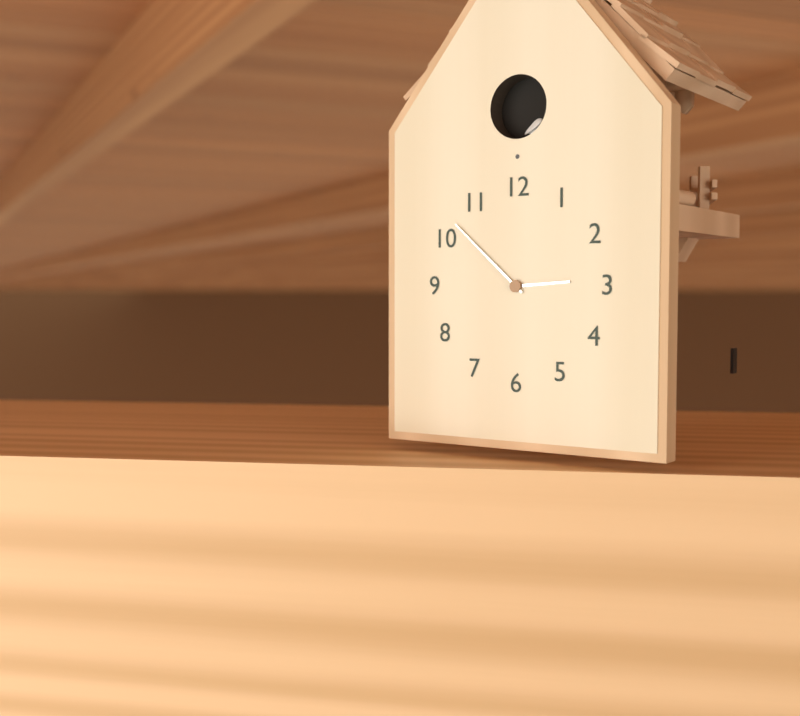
2h52
